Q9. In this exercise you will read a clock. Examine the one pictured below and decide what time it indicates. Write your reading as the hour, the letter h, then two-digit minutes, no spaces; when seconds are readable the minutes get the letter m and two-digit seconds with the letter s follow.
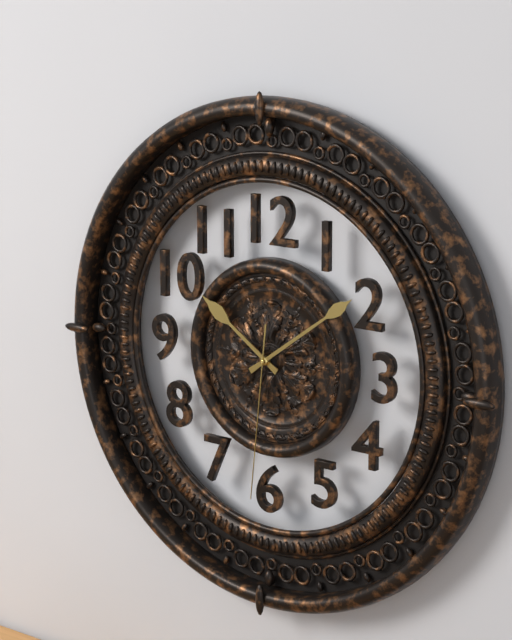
10h09m31s
